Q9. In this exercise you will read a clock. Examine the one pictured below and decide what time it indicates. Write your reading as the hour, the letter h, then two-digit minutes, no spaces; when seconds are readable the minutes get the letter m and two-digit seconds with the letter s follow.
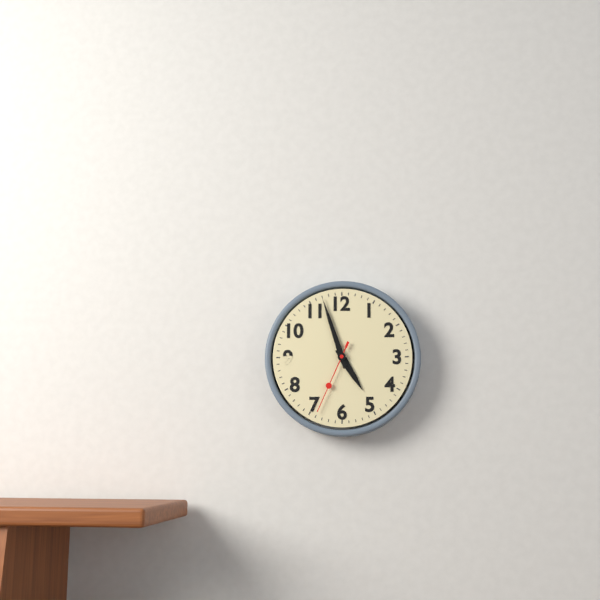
4h57m34s
